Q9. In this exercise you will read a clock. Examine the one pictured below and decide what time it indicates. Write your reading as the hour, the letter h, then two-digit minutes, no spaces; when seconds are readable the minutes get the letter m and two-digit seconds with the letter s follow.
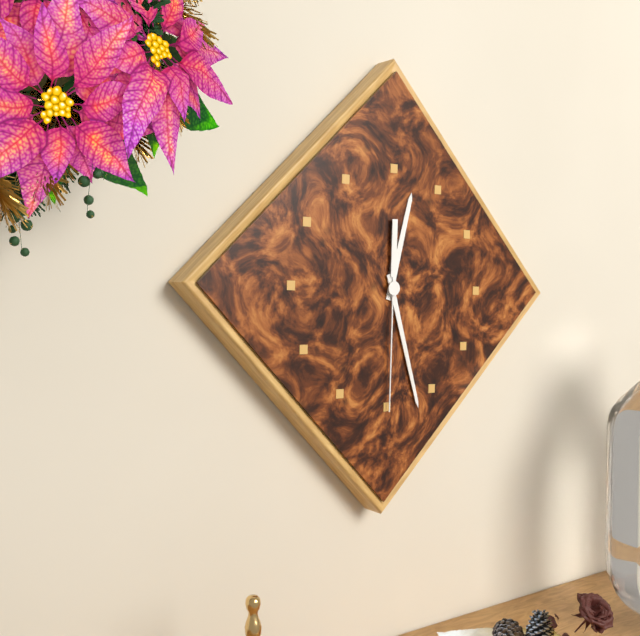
12h27m30s
